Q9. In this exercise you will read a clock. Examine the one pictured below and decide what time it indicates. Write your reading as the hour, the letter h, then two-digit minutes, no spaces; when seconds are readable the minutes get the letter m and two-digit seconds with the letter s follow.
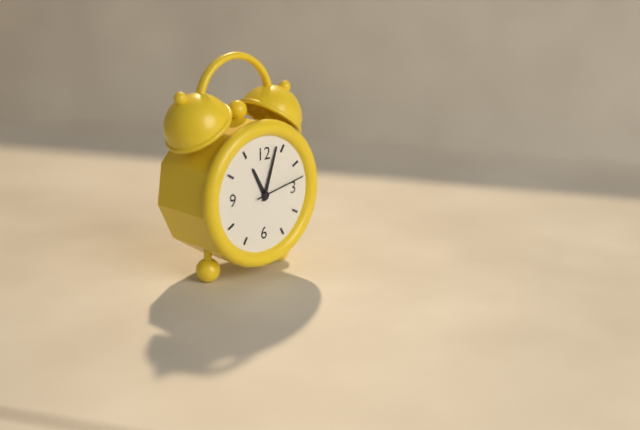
11h03m13s
